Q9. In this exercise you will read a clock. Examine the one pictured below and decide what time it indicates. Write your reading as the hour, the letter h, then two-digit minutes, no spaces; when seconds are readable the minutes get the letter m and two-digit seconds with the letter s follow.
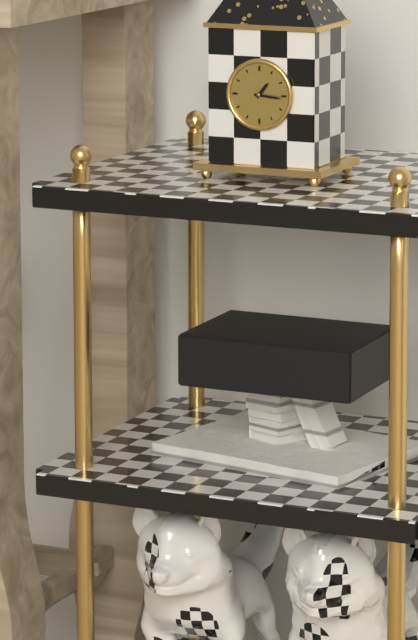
1h16
